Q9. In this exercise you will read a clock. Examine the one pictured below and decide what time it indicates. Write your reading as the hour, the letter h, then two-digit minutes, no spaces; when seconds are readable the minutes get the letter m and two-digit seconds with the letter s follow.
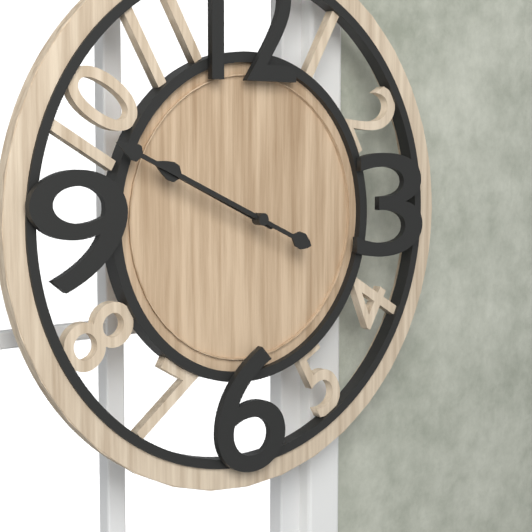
9h49
